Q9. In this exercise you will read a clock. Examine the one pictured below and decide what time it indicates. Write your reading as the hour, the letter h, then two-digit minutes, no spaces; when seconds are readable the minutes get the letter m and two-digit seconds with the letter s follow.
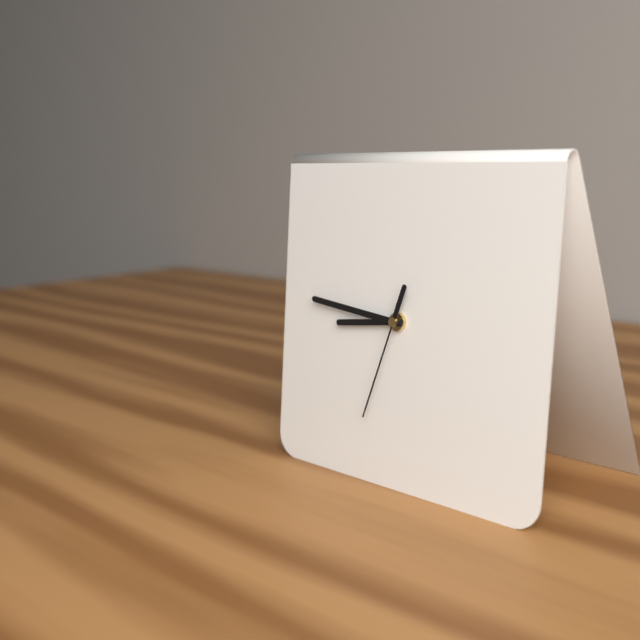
8h46m33s
